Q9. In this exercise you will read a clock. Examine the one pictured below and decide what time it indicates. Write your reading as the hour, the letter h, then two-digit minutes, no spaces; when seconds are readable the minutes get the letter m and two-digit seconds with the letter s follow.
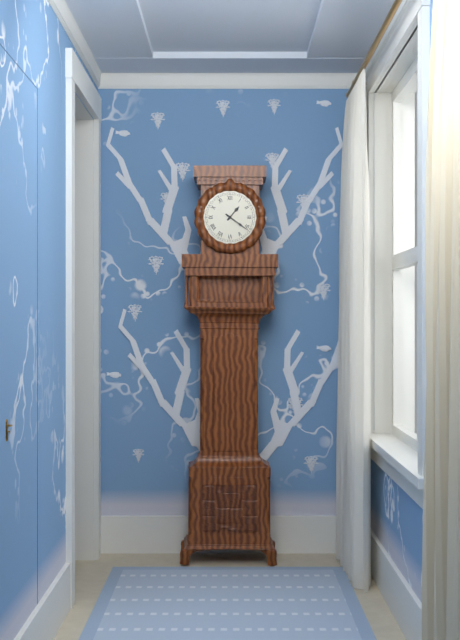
1h21
